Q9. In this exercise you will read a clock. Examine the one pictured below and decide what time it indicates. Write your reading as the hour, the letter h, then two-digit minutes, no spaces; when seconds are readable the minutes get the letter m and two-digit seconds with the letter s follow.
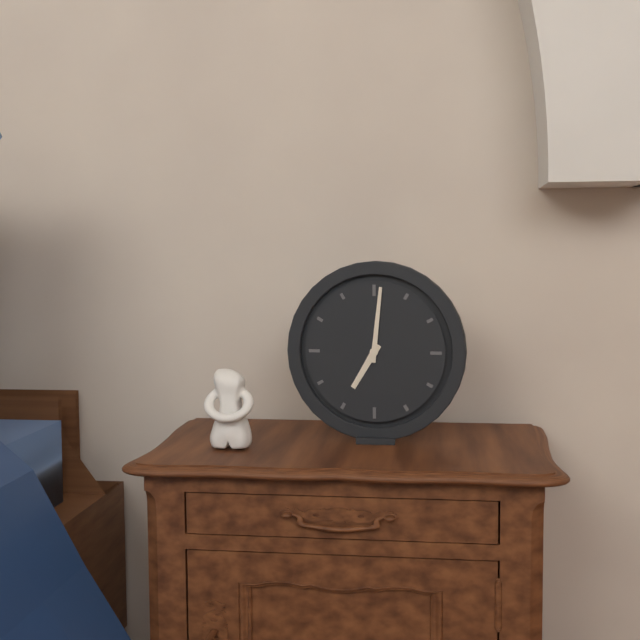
7h01
